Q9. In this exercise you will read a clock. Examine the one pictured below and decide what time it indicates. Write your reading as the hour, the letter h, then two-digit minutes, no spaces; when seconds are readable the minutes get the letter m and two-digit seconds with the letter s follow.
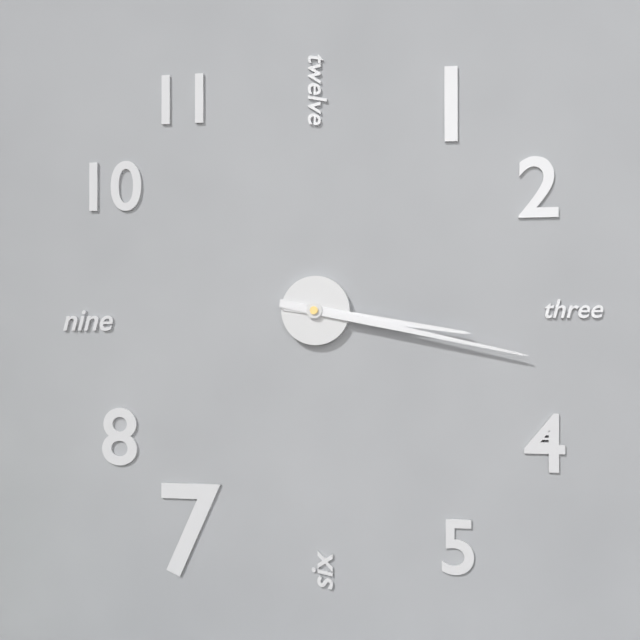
3h17
